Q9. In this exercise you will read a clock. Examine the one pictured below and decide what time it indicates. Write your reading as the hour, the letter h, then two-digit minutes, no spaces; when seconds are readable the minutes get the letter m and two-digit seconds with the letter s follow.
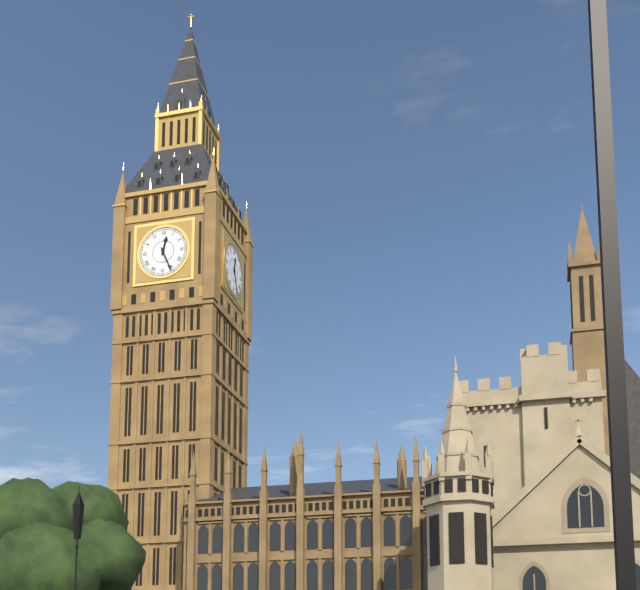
12h26
